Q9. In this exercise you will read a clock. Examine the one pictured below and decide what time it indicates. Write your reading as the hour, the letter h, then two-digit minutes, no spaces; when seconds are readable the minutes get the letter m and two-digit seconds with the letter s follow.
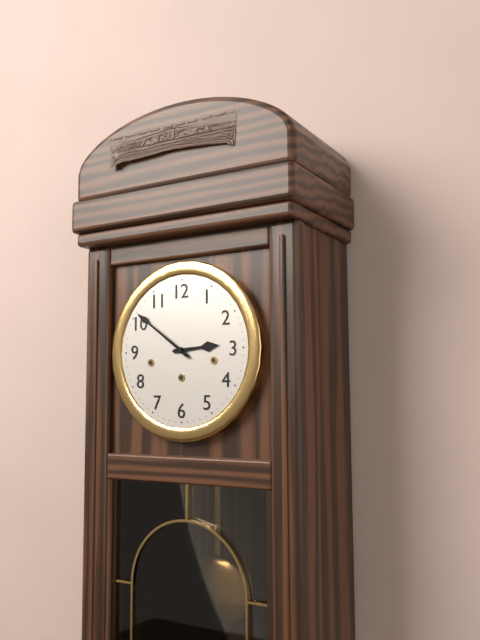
2h51
